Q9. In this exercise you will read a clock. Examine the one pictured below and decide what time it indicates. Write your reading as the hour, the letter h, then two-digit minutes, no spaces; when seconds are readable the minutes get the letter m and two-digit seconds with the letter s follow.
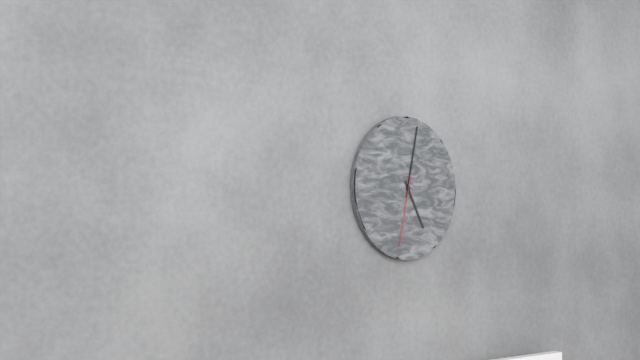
5h02m32s
